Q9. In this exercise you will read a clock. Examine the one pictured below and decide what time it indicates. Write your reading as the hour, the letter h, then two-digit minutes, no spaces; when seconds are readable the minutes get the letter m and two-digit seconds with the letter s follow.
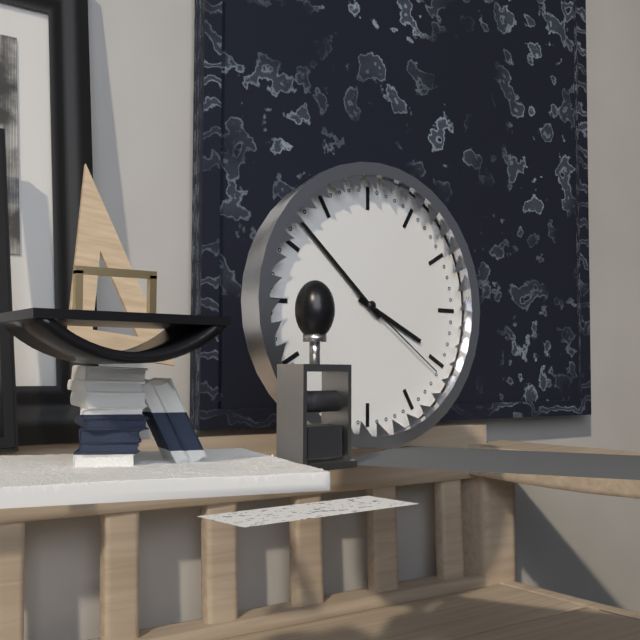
3h52m21s
